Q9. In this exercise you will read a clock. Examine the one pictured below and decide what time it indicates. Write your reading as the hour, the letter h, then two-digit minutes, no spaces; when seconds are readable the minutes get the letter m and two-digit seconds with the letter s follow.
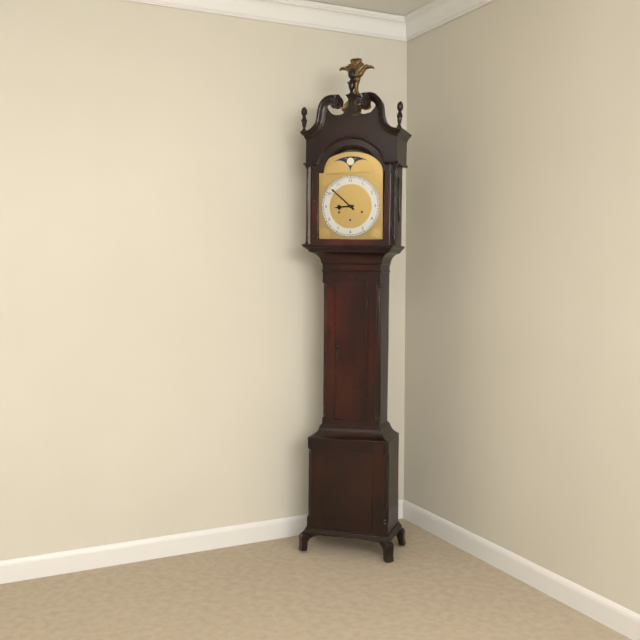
8h52
